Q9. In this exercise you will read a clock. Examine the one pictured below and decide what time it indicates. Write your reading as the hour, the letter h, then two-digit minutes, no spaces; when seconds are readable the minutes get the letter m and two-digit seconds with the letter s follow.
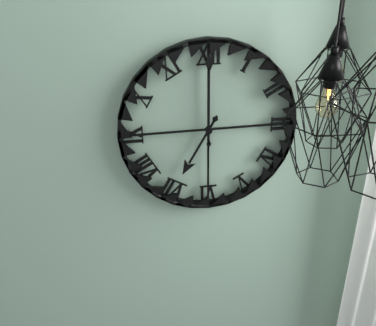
7h00
